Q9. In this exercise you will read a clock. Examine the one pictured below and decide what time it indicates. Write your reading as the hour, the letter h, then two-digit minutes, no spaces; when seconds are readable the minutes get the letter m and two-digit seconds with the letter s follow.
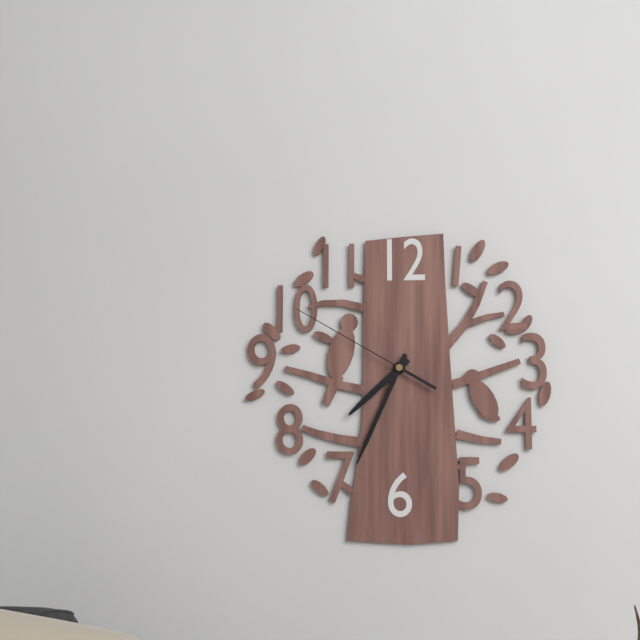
7h34m50s
